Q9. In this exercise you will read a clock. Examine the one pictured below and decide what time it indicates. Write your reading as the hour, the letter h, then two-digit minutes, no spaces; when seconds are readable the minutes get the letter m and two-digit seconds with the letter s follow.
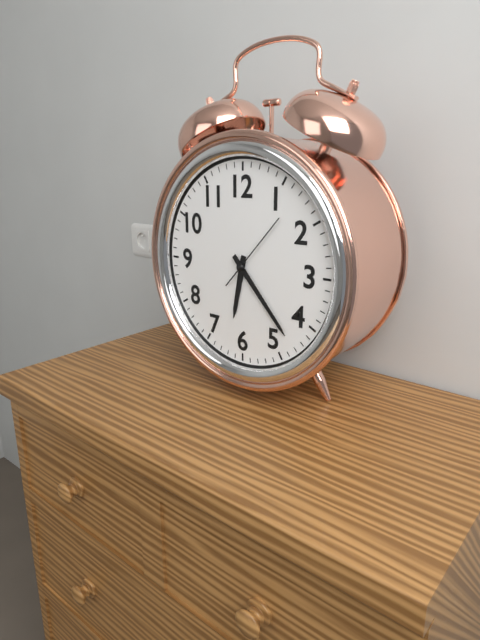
6h23m07s
